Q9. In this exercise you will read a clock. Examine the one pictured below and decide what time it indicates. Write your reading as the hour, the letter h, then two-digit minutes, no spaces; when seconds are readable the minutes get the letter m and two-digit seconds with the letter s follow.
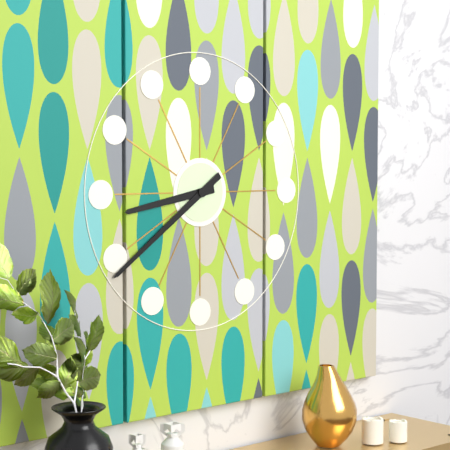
8h39
